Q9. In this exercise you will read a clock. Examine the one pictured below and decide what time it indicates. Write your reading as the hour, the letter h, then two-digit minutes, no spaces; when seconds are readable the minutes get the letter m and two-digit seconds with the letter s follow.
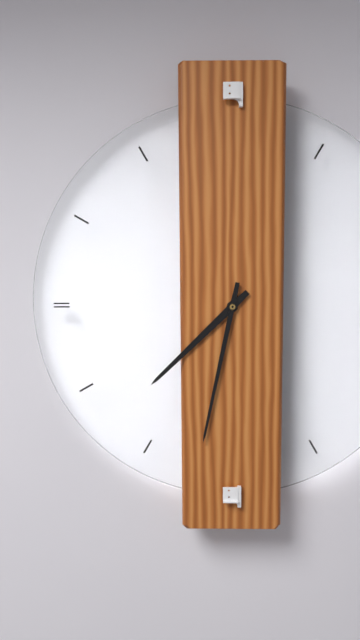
7h32
